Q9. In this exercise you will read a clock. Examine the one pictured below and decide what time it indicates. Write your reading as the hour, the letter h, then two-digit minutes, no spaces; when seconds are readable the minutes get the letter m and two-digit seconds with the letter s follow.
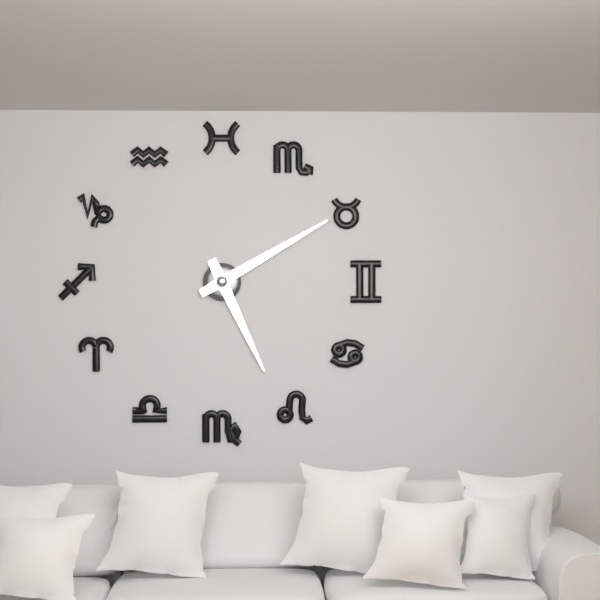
5h10
